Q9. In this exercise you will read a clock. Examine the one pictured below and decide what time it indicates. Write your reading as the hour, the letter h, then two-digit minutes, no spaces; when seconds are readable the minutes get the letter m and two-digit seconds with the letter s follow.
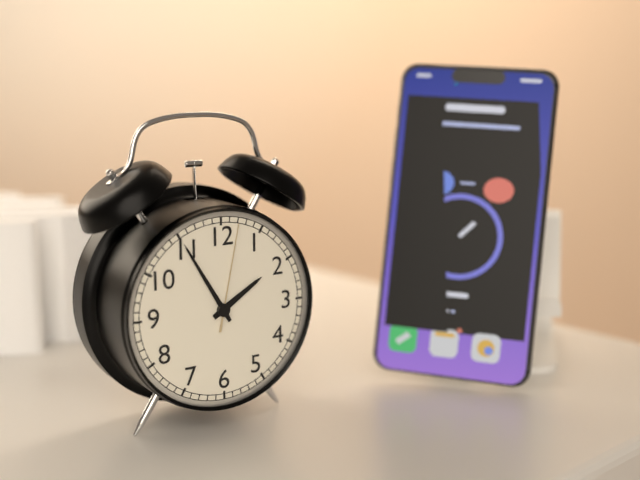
1h55m02s
